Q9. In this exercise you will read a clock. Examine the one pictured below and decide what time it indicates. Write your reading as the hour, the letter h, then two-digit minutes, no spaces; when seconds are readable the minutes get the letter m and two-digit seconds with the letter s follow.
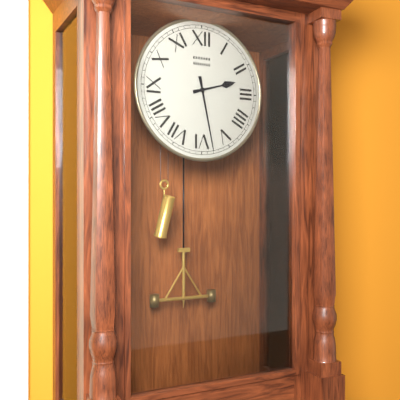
2h28
